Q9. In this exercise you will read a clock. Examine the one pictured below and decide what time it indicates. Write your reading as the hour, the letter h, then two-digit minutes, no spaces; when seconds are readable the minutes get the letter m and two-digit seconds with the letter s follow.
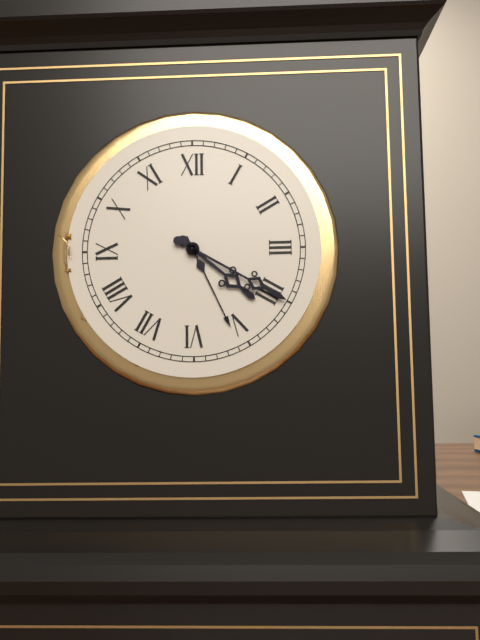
4h20
